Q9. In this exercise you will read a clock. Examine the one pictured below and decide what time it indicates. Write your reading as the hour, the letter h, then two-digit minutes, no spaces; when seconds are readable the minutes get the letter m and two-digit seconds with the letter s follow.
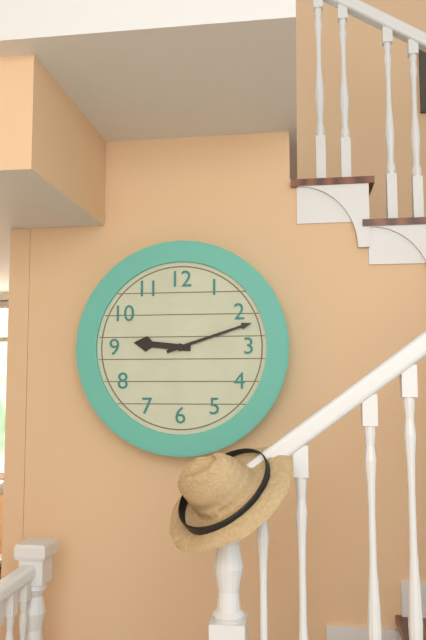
9h12
